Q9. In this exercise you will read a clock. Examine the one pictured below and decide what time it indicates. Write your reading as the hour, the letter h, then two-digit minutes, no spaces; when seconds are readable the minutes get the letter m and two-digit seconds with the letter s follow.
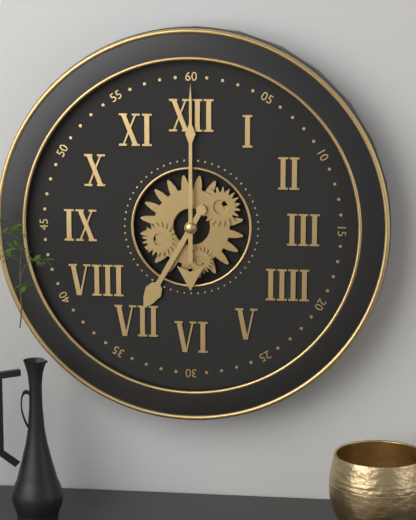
7h00
